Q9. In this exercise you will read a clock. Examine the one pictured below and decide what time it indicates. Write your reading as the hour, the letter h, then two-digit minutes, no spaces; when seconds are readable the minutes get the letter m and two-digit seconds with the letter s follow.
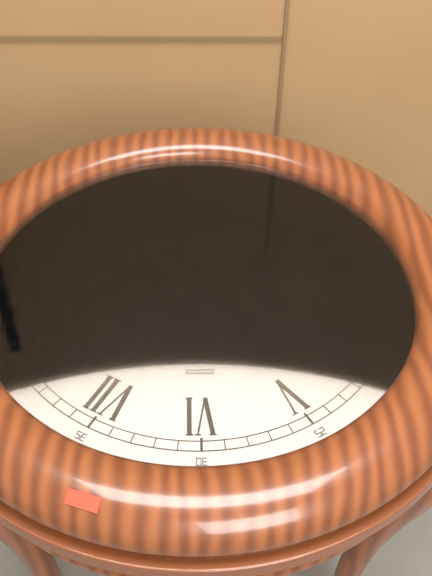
7h57
